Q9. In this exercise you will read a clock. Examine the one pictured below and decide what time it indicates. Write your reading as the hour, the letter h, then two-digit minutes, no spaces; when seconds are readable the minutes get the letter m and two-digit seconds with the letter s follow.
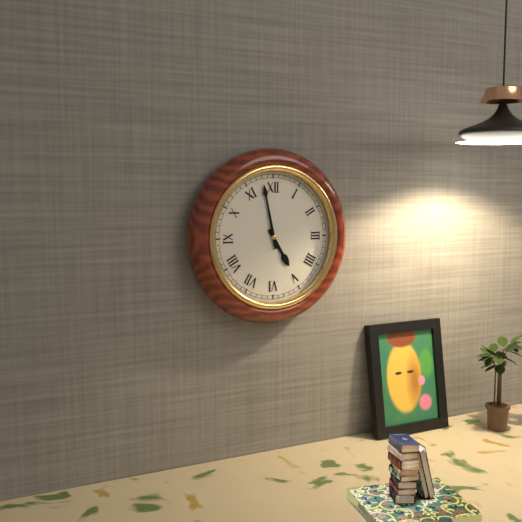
4h58
